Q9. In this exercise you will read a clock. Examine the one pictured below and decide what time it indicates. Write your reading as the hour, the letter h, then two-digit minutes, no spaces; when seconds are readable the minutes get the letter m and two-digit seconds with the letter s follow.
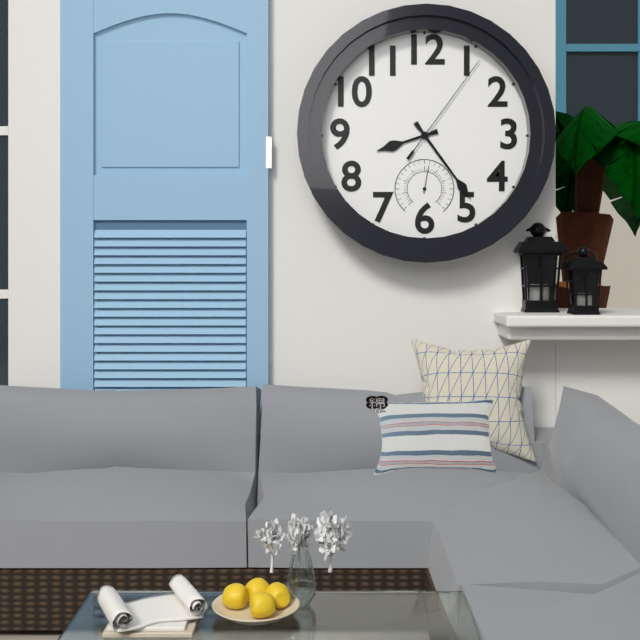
8h24m06s
